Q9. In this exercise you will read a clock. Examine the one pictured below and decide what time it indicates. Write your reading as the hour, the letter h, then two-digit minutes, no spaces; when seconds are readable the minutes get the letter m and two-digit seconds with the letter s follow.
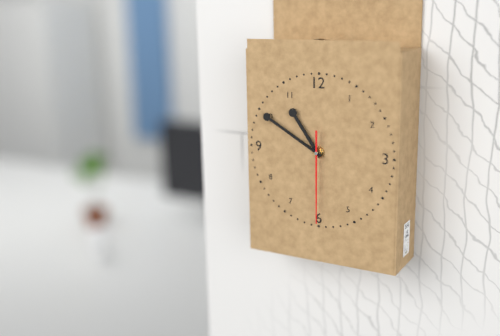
10h50m30s
